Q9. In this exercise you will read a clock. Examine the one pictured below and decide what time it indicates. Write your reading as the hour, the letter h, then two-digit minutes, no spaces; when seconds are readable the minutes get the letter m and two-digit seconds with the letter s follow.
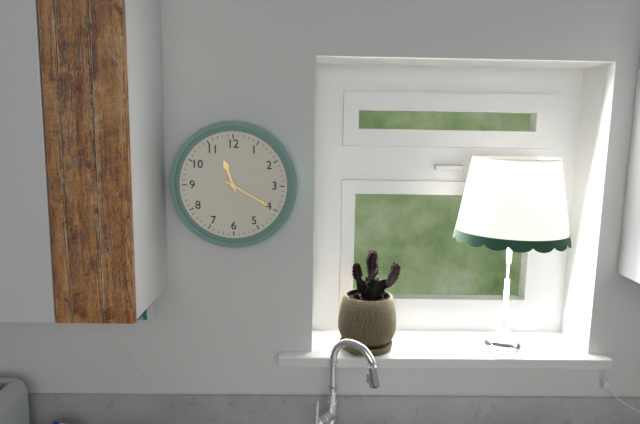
11h20
